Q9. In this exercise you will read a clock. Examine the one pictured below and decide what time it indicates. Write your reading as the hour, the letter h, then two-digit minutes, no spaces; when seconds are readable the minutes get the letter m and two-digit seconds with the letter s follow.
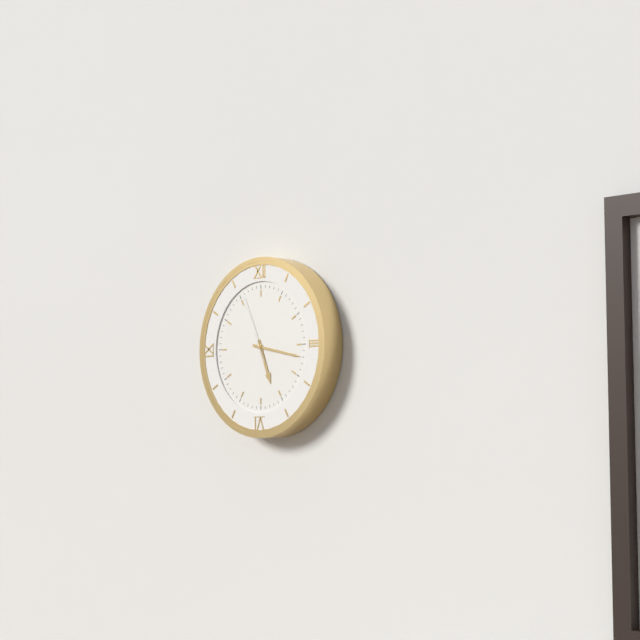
5h17m56s
